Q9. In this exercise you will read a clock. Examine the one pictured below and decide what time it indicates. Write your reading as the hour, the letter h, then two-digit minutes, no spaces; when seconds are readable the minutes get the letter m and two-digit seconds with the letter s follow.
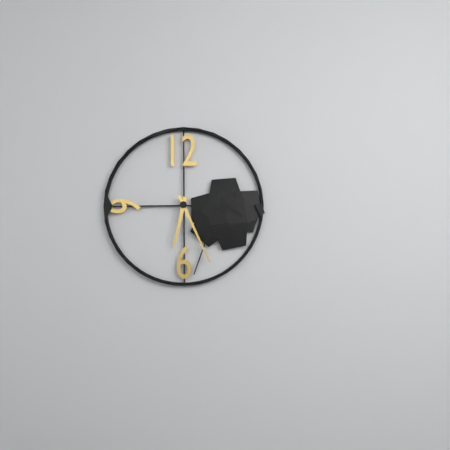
6h26
